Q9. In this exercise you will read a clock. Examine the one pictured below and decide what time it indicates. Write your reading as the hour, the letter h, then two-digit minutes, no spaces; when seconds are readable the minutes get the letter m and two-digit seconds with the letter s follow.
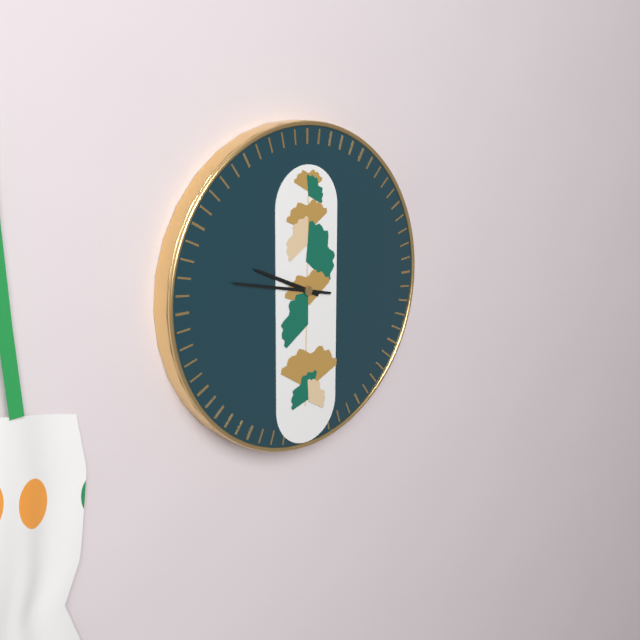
9h47
